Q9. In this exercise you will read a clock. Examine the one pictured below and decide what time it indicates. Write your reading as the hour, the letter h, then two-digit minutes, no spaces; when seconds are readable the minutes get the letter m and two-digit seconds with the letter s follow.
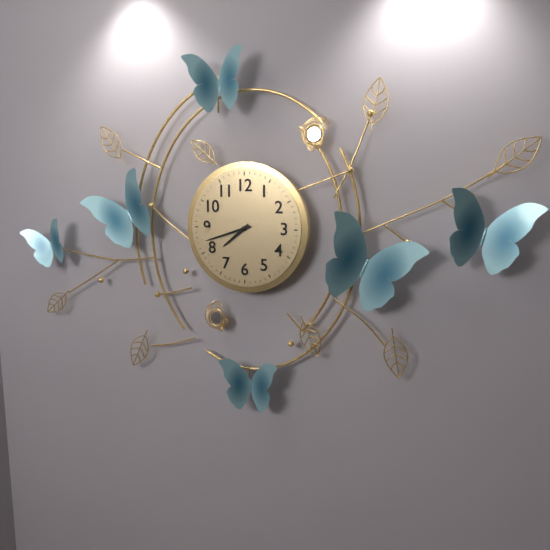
7h42
